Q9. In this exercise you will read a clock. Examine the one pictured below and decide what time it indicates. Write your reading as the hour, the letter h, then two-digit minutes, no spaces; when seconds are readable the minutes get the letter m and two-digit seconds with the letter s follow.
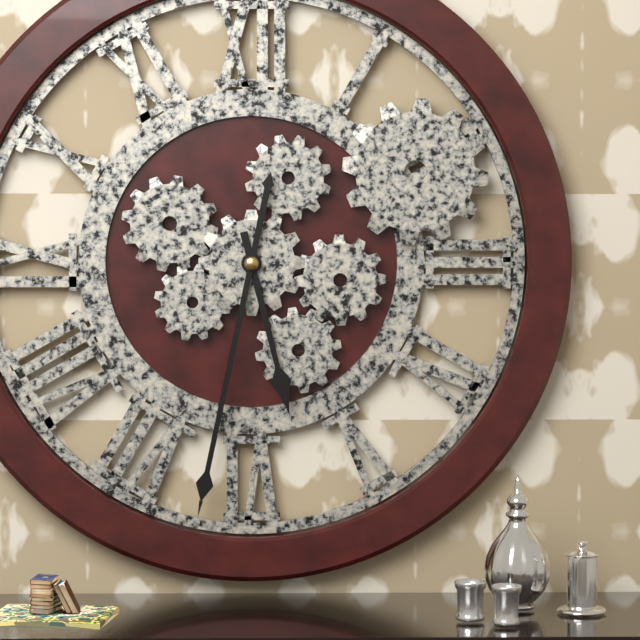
5h32
